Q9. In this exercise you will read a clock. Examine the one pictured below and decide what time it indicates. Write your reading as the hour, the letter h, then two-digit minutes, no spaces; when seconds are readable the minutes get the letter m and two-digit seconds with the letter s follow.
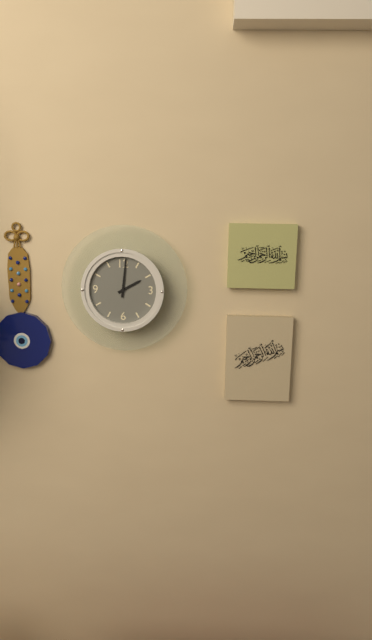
2h01
